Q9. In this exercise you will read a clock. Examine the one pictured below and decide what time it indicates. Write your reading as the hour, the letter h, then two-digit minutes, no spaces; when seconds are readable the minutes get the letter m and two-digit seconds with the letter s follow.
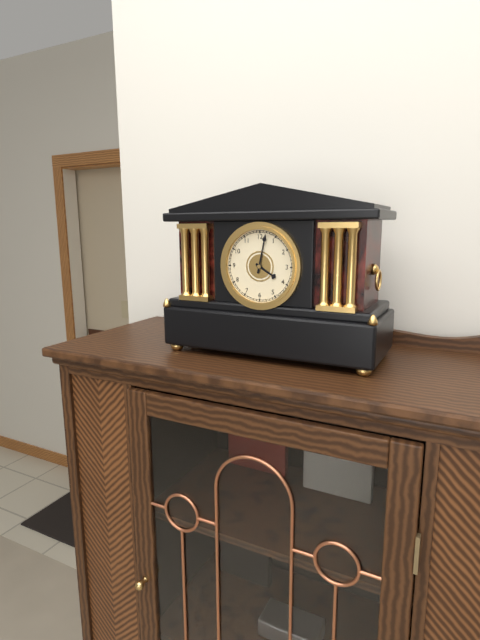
4h02
